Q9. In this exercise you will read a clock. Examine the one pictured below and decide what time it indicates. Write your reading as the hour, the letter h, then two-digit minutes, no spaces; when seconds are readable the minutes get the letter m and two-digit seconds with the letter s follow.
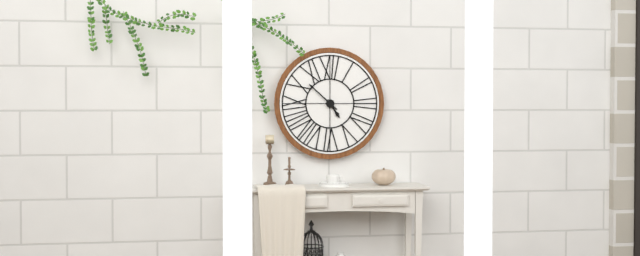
4h52
